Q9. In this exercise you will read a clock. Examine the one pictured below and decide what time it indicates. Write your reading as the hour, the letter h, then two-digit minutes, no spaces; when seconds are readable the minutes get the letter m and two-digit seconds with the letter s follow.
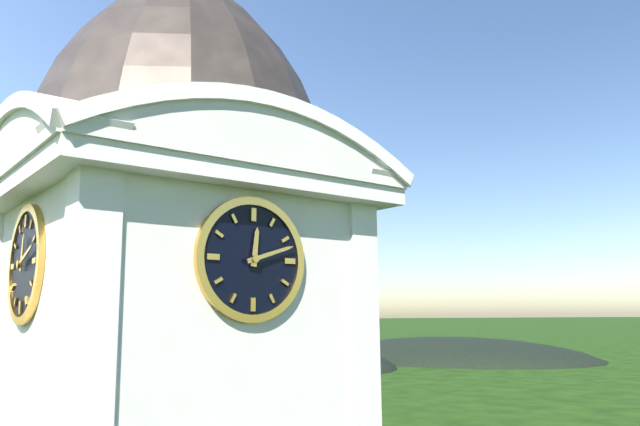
12h12
